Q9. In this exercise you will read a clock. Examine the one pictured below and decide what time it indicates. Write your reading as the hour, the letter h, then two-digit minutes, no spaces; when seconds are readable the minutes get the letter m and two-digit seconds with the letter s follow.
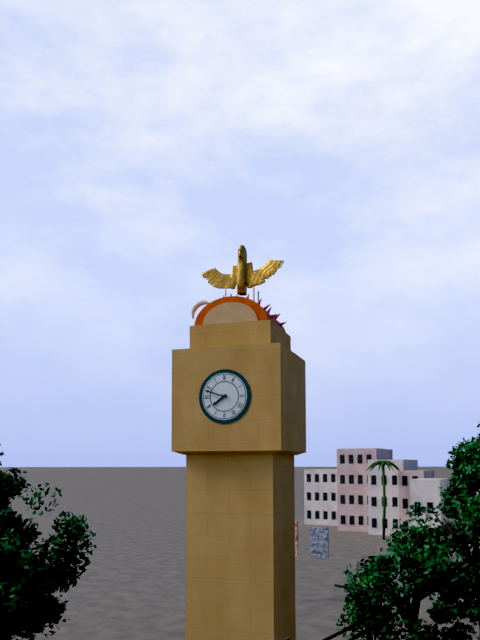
7h48
